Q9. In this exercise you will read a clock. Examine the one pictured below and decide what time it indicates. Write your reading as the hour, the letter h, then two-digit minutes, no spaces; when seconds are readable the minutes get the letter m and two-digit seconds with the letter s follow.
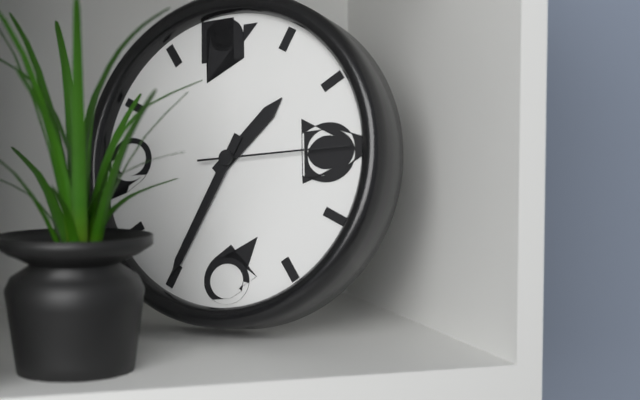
1h35m15s
